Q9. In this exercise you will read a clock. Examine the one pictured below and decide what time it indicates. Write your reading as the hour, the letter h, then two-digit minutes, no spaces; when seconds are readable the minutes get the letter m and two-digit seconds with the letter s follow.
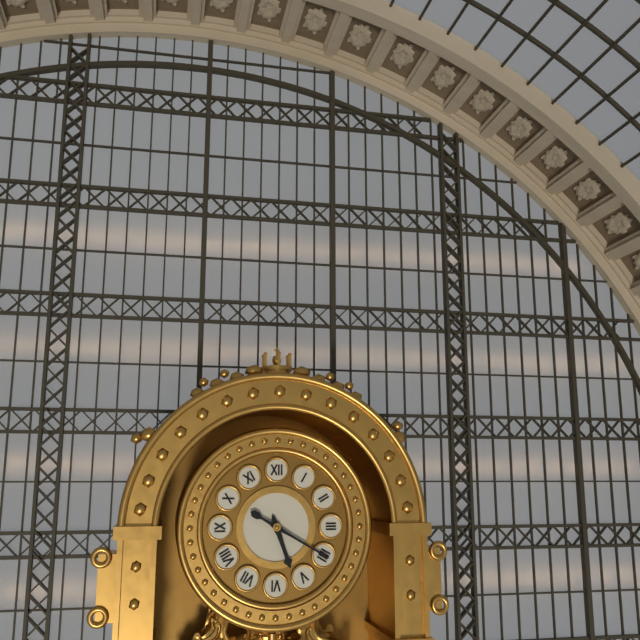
5h20
